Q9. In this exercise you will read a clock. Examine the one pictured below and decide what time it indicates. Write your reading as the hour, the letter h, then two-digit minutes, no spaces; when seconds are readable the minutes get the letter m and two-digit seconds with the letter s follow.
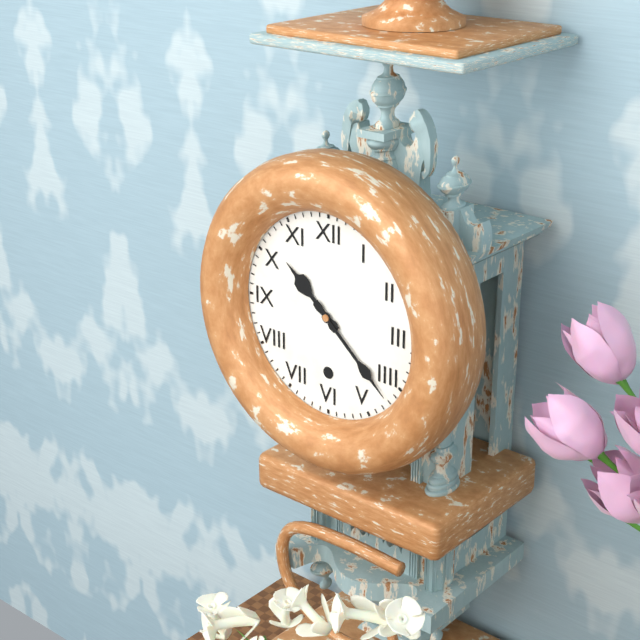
10h22
